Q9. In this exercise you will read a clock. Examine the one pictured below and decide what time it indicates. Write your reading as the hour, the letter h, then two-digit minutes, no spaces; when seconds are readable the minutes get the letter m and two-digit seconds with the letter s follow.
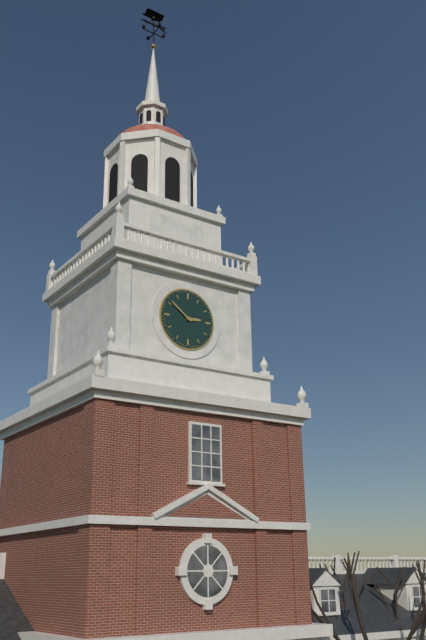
2h51
